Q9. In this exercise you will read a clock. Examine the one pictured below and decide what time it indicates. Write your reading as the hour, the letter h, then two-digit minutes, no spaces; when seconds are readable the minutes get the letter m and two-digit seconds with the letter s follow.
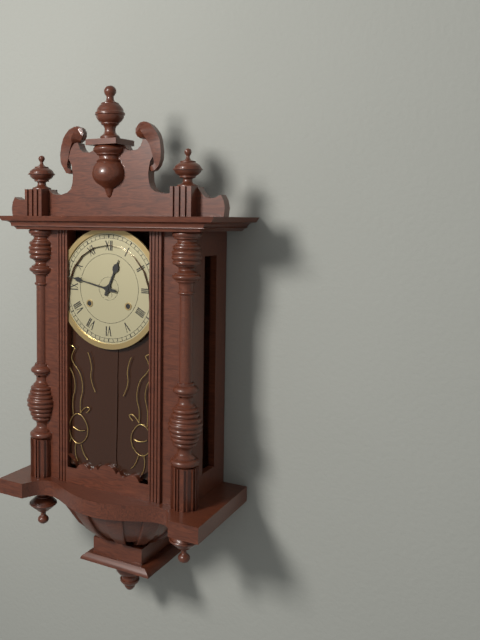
12h47
